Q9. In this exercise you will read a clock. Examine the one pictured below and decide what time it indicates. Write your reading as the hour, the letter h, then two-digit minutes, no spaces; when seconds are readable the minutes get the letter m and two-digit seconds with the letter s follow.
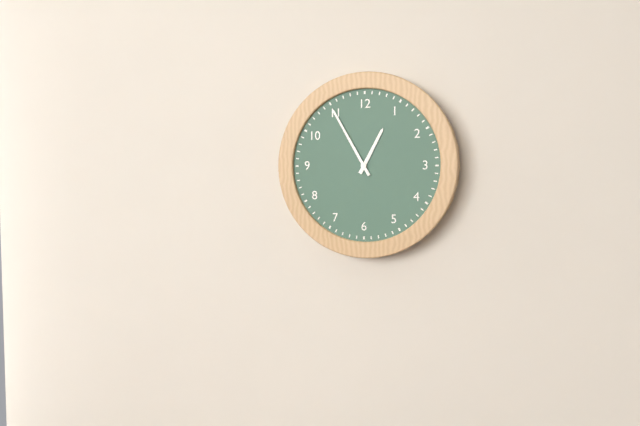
12h55
